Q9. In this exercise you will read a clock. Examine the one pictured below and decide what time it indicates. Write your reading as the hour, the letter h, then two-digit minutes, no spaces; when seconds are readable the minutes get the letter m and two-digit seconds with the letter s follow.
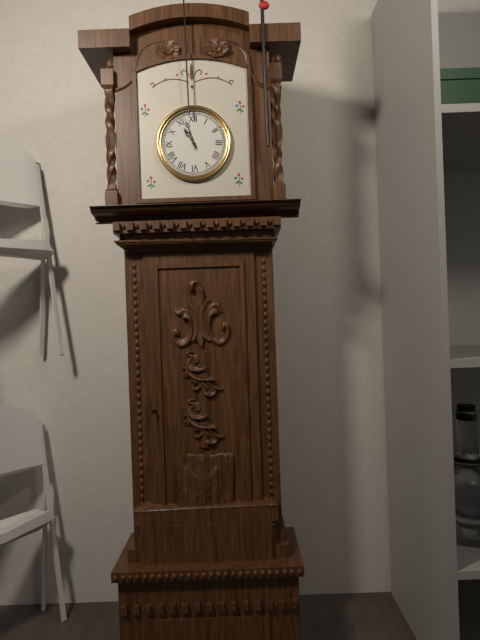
10h57
